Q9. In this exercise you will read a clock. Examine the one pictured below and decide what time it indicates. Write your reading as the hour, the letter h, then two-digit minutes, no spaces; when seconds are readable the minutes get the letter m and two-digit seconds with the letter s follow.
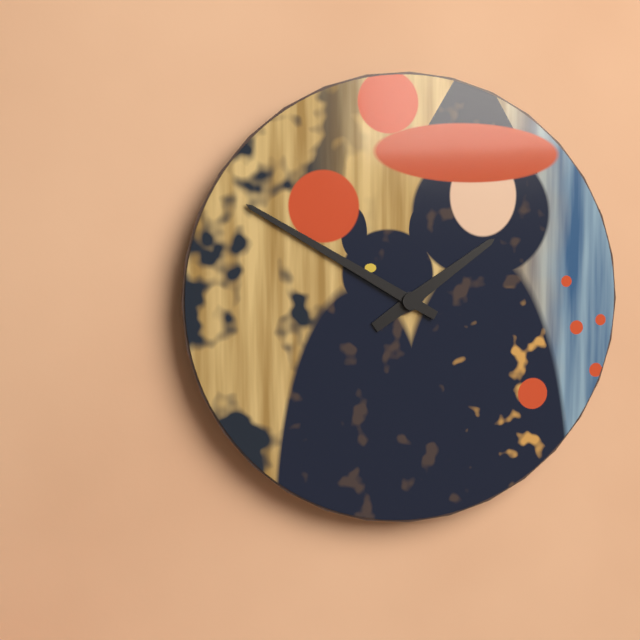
1h50
